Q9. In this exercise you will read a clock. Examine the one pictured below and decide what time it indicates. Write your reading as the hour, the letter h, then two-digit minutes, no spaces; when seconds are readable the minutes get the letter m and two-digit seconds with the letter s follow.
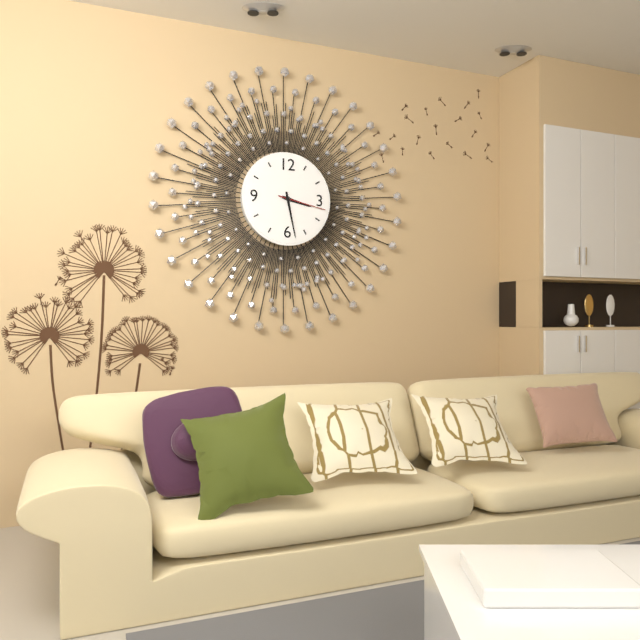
3h28
